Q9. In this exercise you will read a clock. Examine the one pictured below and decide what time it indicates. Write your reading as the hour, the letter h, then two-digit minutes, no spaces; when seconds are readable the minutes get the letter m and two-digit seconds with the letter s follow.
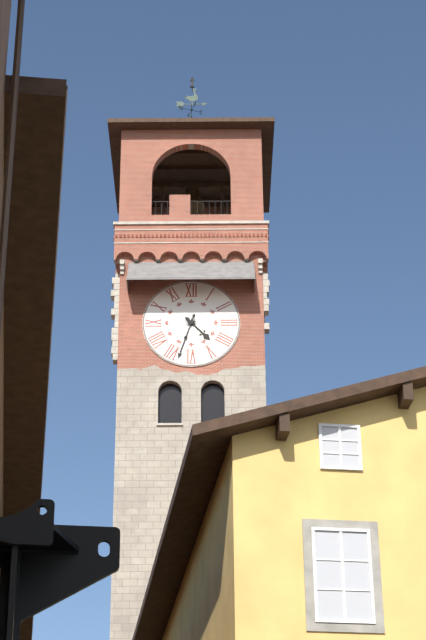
4h33
